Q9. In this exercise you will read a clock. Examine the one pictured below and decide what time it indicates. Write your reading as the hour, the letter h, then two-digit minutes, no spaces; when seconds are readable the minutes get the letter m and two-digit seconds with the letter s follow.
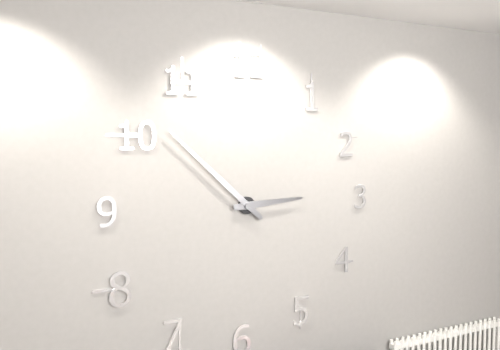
2h52
